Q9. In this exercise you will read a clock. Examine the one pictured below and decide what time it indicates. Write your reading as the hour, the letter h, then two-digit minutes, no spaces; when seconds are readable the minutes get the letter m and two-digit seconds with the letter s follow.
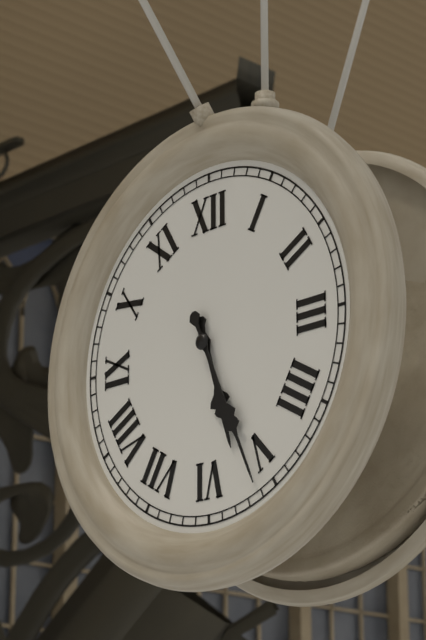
5h26
